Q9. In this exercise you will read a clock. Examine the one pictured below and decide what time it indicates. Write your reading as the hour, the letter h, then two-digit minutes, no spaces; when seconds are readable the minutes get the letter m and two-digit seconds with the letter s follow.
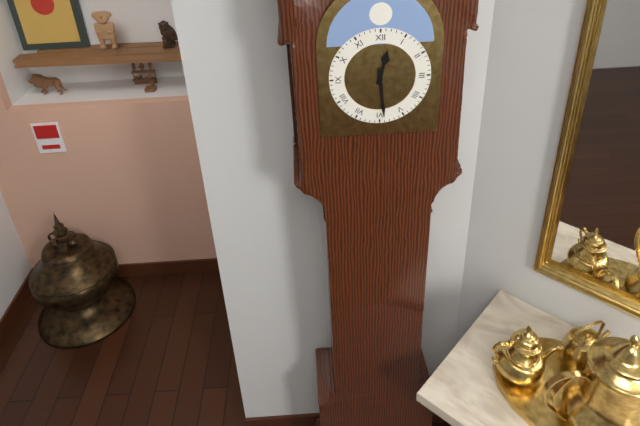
12h29
